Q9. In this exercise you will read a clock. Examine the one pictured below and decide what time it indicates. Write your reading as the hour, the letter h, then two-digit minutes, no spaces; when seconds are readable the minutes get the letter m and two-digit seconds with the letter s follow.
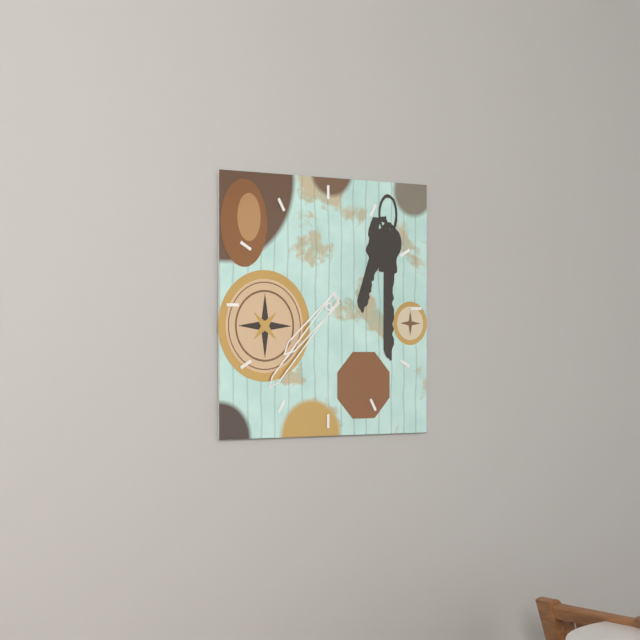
7h37
